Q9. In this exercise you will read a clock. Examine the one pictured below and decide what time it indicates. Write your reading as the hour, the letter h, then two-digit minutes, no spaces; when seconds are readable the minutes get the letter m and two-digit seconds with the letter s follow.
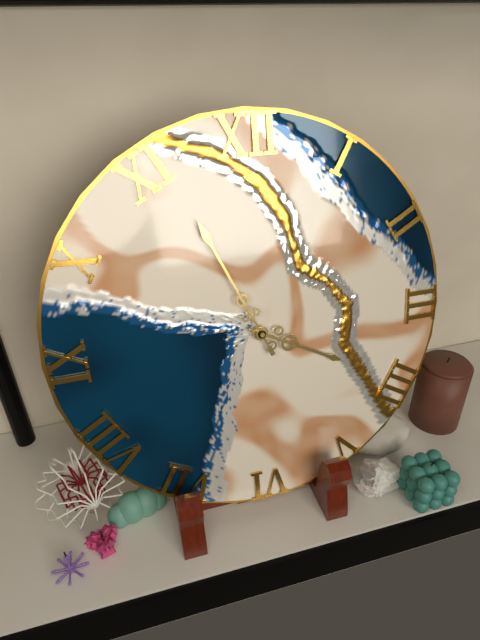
3h56
